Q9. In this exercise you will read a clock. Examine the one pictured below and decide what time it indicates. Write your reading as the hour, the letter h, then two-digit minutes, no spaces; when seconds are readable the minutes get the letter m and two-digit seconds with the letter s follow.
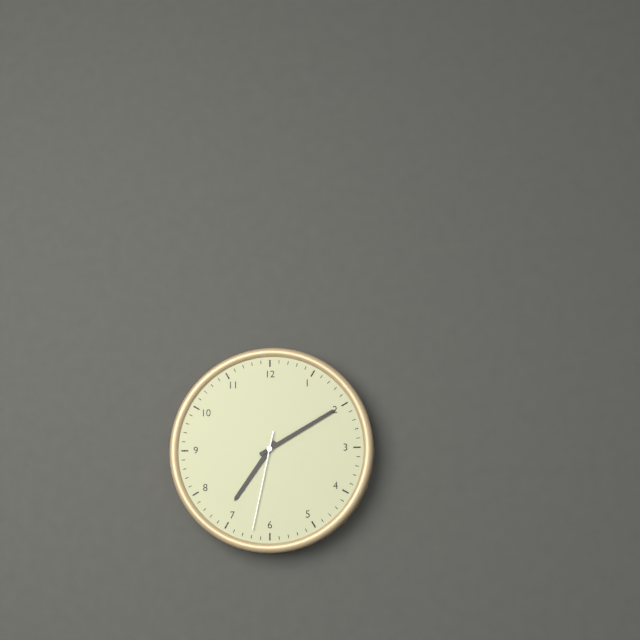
7h10m32s
